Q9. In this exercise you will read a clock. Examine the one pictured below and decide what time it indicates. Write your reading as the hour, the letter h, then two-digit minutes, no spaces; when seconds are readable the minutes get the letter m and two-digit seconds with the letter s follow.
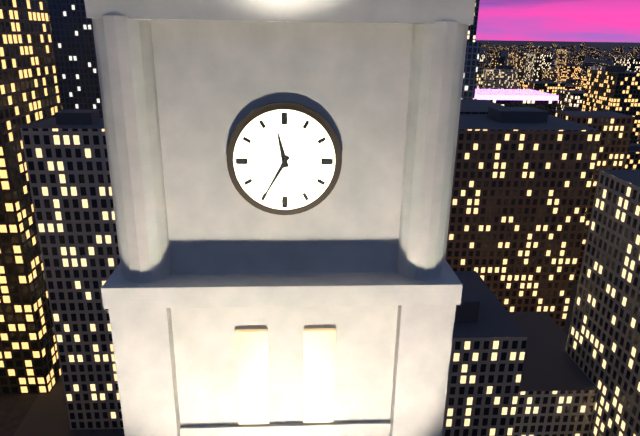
11h35
